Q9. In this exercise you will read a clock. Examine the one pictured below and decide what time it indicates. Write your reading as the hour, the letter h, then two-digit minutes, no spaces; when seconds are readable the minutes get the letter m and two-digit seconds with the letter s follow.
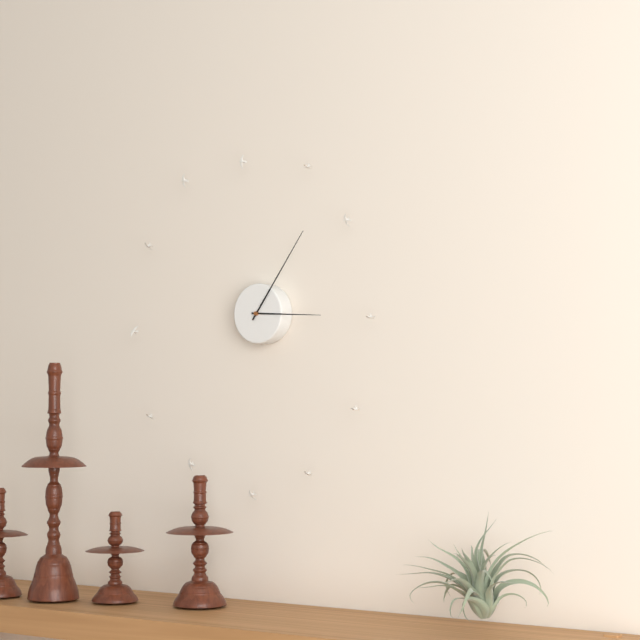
3h06
